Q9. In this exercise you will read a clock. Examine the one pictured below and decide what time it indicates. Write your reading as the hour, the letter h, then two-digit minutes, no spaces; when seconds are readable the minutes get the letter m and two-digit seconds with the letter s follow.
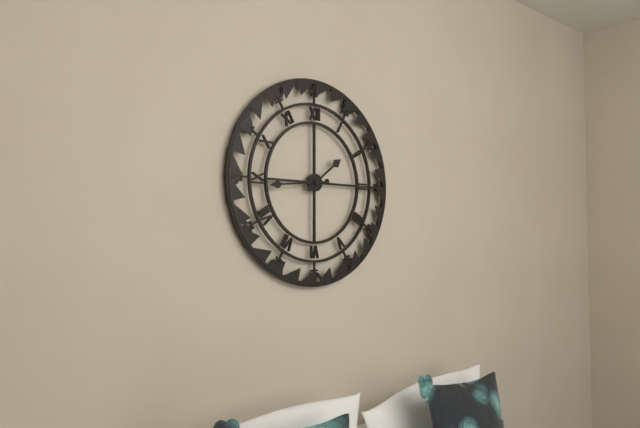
1h44
